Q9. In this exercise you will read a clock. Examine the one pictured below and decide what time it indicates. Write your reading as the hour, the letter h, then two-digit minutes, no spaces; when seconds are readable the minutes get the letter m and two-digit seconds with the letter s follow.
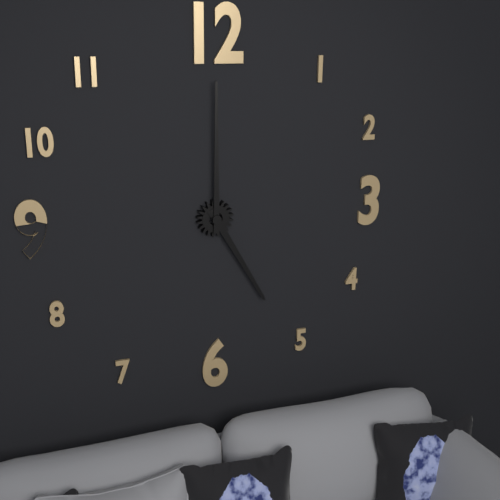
5h00
